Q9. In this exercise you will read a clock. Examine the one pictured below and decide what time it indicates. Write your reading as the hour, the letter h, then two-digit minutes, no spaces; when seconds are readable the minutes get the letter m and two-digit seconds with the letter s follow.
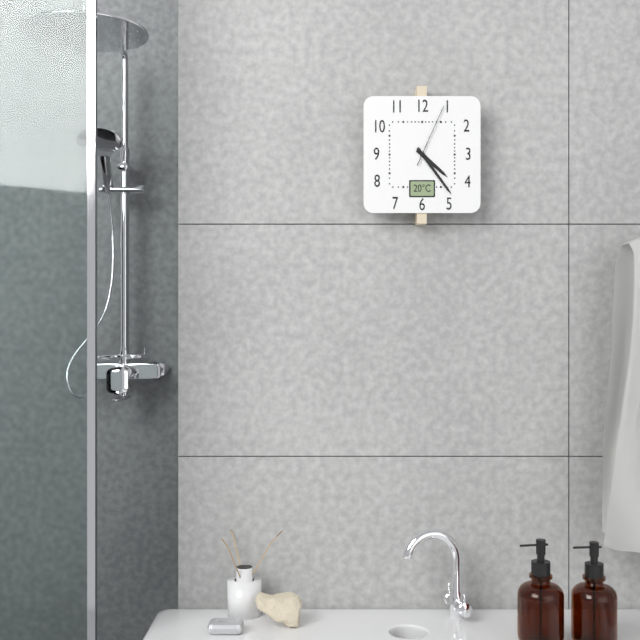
4h24m04s
